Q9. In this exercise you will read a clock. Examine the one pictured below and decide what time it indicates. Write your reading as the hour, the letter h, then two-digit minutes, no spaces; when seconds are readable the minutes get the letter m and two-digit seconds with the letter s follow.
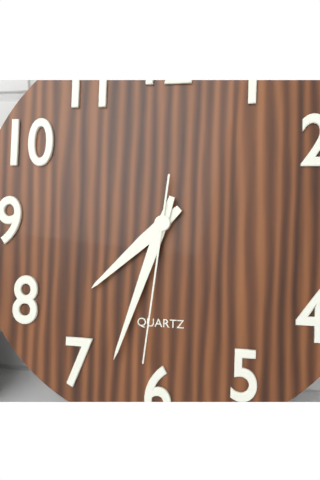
7h33m31s
